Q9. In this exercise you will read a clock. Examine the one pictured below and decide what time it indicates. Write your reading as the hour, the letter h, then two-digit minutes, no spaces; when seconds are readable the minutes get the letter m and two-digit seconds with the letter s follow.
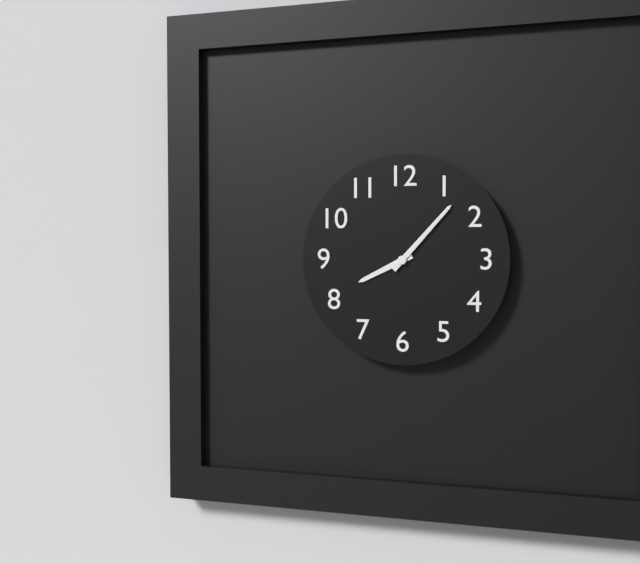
8h07
